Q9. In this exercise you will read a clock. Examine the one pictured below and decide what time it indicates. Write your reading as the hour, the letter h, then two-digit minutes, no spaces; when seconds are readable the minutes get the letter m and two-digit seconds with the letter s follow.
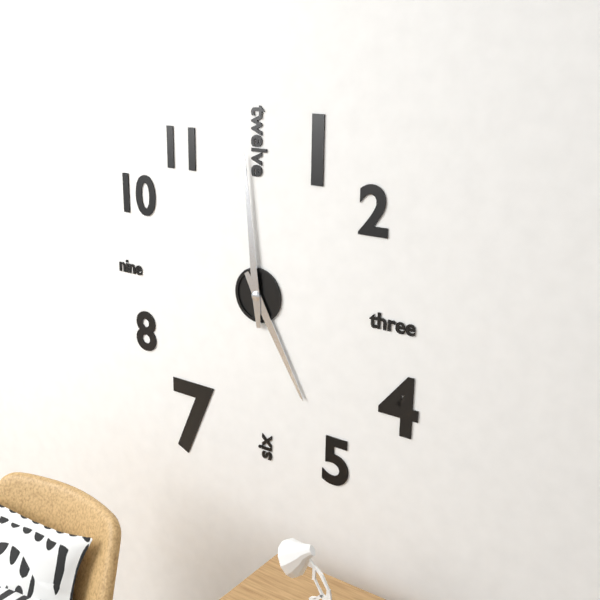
4h59
